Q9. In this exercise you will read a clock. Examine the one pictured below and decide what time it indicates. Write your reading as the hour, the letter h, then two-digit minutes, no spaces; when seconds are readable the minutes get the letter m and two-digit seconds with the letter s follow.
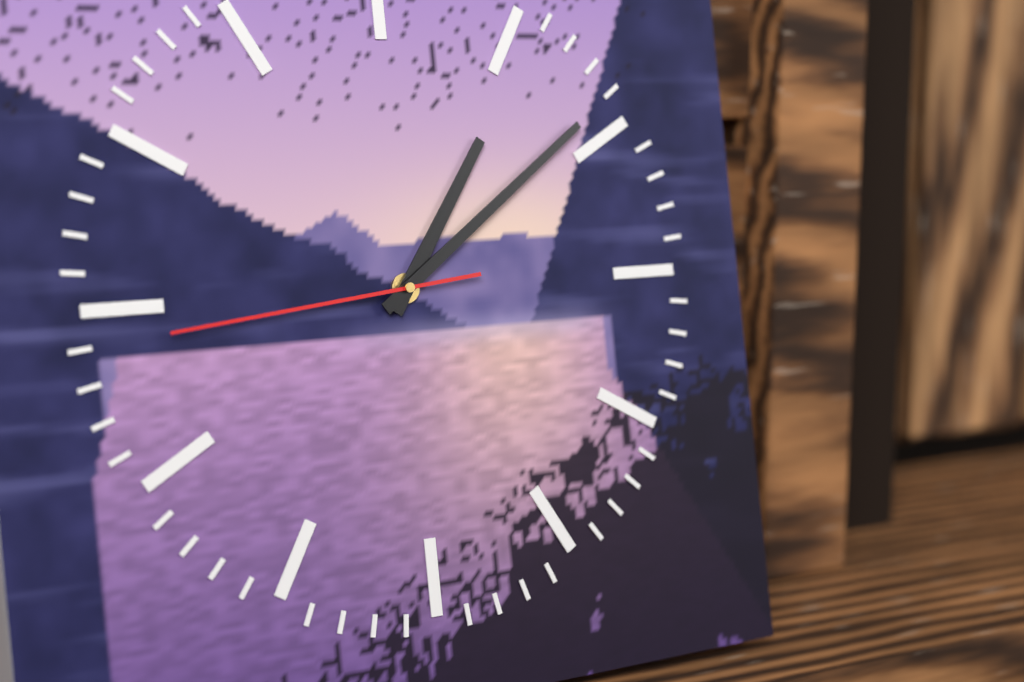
1h09m44s
